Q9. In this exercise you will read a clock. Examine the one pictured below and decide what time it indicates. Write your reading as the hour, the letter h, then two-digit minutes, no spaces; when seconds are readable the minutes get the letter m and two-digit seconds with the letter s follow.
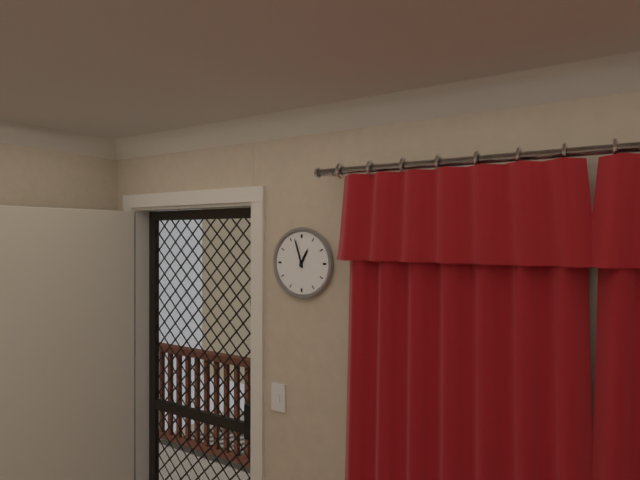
12h57
